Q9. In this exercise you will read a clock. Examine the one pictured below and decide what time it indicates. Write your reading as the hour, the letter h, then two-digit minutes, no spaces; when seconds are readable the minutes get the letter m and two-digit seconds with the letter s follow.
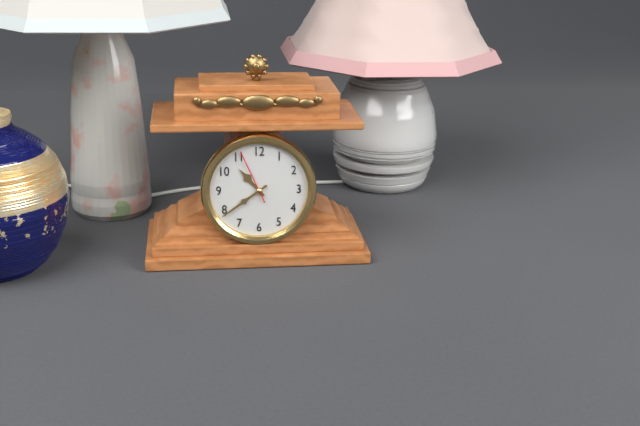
10h39m56s
